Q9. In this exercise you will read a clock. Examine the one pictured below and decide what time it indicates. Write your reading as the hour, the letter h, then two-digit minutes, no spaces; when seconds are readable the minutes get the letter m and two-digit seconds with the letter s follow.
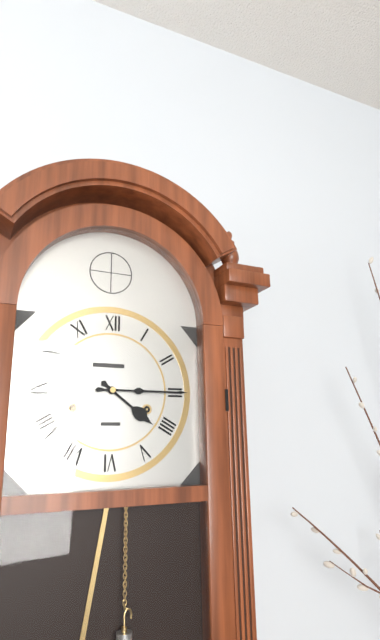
4h15
